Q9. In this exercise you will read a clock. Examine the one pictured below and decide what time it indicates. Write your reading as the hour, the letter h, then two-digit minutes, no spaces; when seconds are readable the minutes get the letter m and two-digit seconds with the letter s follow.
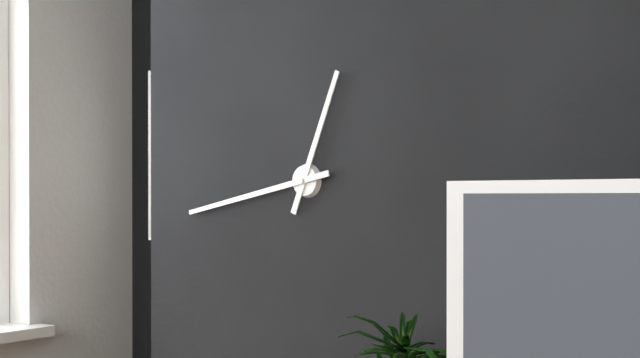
12h43
